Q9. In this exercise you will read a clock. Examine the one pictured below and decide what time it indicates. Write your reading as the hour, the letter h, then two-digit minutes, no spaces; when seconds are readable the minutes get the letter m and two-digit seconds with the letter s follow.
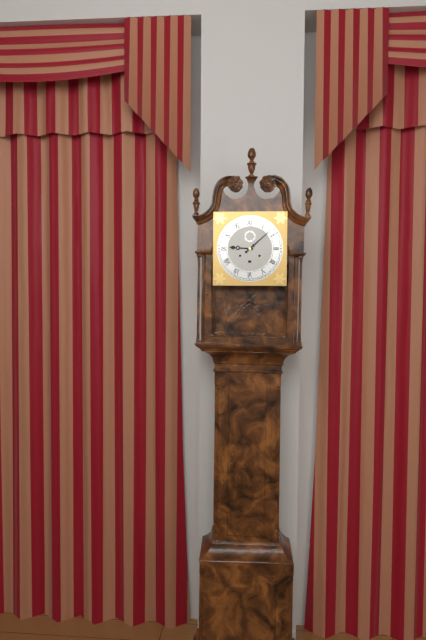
9h08
